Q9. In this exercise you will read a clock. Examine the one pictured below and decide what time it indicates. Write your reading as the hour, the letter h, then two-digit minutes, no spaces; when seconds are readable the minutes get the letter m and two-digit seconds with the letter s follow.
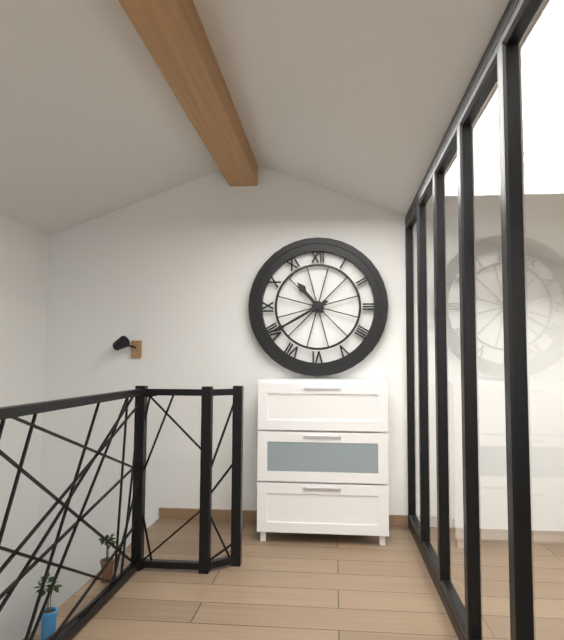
10h40
